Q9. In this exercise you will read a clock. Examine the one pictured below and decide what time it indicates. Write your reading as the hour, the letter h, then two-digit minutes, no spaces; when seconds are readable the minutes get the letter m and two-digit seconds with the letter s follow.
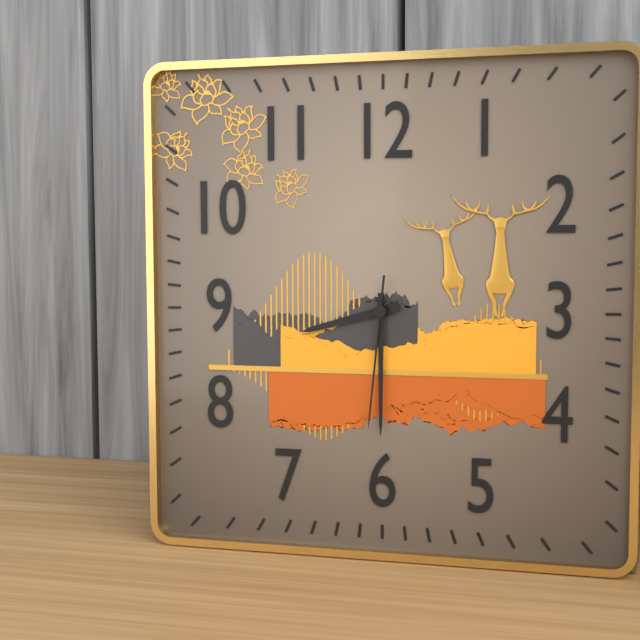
8h30m31s
